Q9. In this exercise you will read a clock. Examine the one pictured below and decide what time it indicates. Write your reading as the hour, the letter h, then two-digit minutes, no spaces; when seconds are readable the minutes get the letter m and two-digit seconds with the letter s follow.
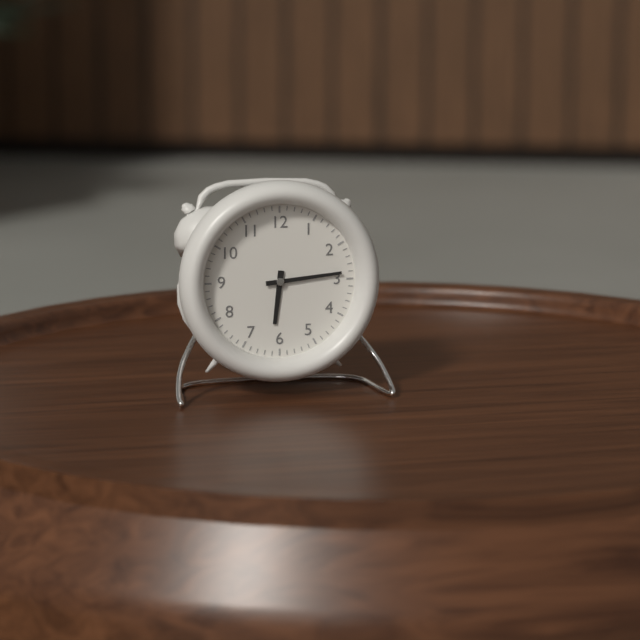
6h14
